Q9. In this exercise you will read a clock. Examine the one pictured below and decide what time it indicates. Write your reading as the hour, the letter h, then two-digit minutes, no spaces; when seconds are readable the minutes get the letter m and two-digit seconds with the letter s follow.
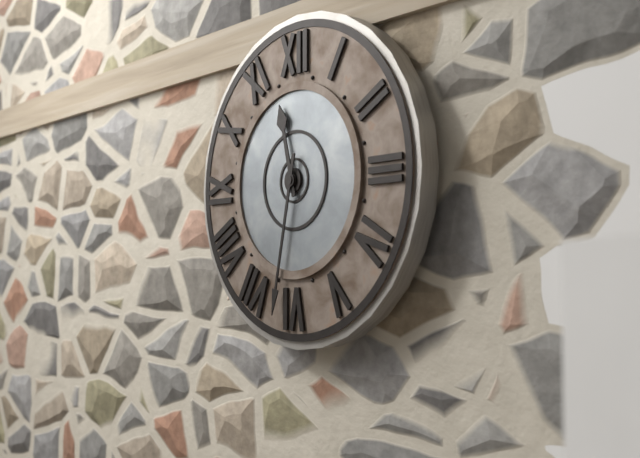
11h32
